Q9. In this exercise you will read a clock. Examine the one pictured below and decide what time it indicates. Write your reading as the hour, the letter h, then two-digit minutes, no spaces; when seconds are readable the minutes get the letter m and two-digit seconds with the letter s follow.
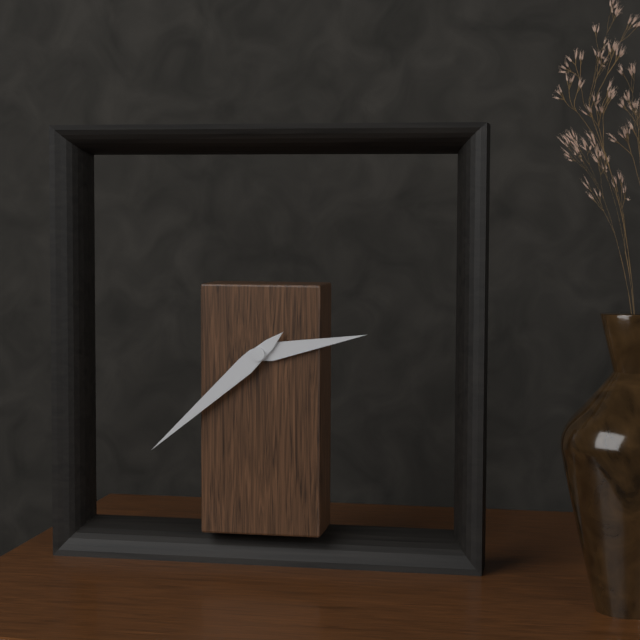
2h38
